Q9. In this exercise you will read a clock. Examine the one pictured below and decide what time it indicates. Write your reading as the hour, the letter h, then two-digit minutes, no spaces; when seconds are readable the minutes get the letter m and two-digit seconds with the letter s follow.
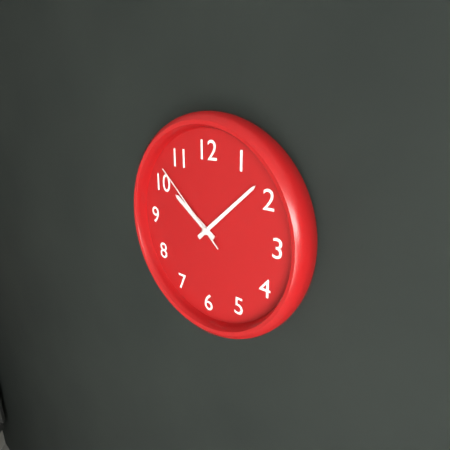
10h08m52s
